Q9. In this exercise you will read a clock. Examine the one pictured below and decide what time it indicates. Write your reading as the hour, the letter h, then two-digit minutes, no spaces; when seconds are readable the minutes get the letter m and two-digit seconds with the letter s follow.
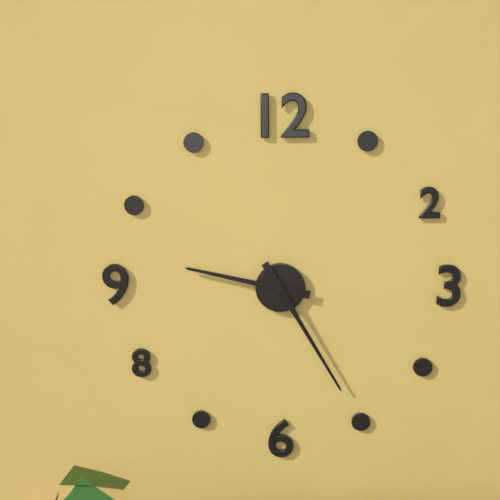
9h25
